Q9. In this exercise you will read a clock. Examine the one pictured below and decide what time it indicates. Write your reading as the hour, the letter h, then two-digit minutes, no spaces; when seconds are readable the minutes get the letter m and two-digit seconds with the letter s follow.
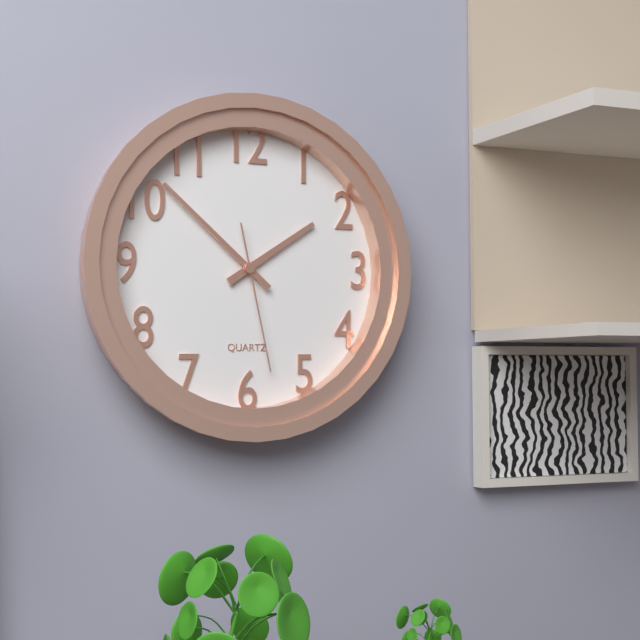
1h52m28s
